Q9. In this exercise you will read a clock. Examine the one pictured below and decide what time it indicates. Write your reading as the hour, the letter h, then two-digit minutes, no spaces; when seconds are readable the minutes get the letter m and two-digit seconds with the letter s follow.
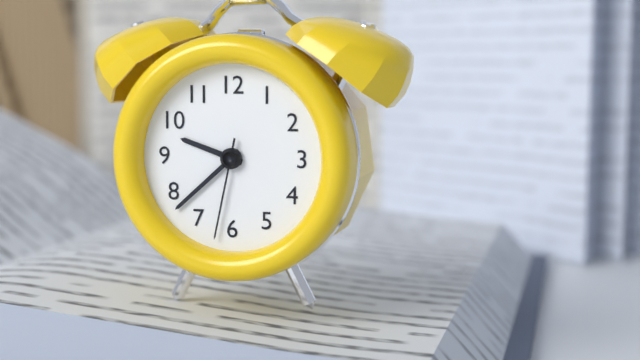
9h38m32s
